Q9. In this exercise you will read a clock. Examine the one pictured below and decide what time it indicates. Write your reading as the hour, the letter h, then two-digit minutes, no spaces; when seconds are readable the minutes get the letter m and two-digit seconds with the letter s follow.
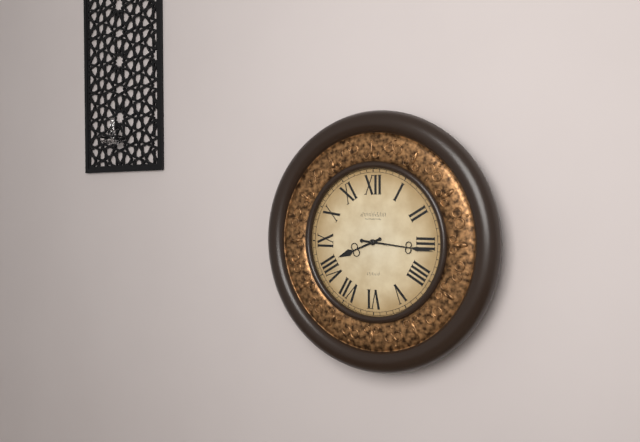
8h16
